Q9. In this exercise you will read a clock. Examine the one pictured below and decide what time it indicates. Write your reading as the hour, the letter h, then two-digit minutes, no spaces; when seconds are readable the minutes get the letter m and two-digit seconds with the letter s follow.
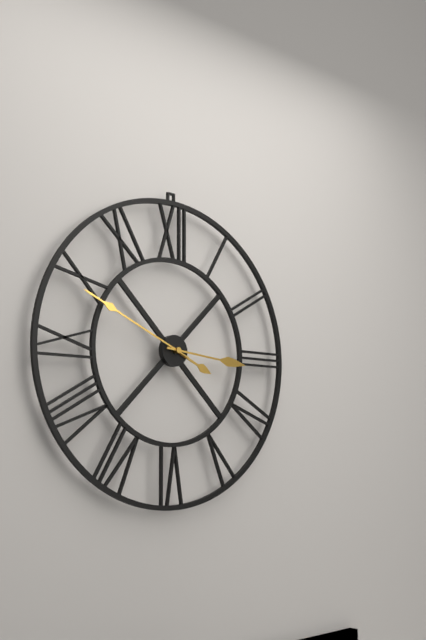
3h49m16s
